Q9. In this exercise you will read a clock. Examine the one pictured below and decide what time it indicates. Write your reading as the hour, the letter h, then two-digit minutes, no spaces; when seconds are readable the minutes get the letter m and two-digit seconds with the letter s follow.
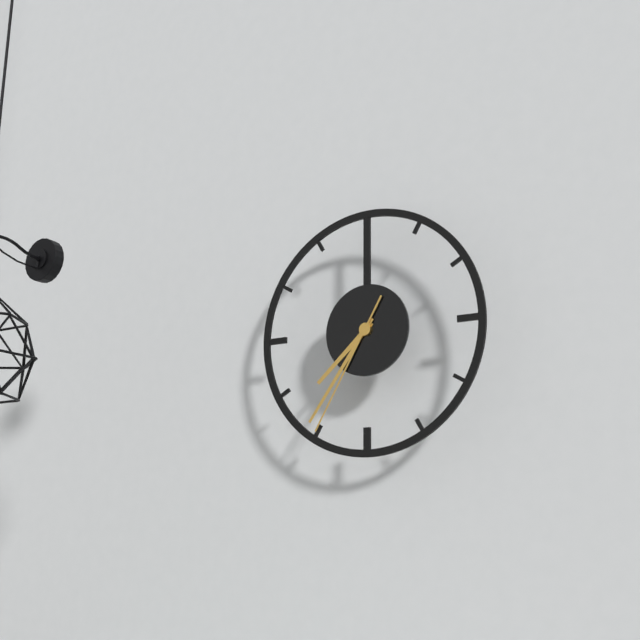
7h36m35s
